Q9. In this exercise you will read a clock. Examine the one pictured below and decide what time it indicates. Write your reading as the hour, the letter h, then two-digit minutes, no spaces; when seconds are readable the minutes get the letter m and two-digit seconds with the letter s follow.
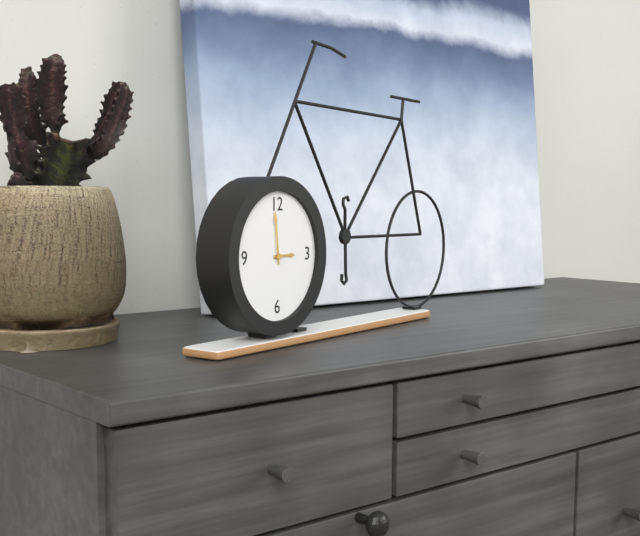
2h59
